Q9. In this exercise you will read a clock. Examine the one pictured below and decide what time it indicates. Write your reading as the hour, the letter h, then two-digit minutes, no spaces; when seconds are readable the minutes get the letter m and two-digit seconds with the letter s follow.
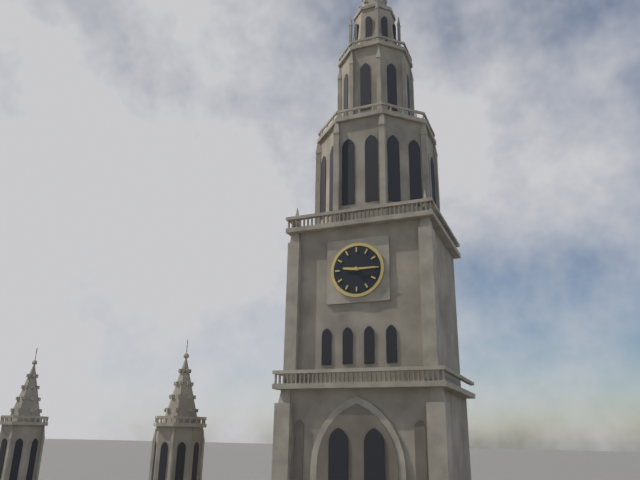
9h15
